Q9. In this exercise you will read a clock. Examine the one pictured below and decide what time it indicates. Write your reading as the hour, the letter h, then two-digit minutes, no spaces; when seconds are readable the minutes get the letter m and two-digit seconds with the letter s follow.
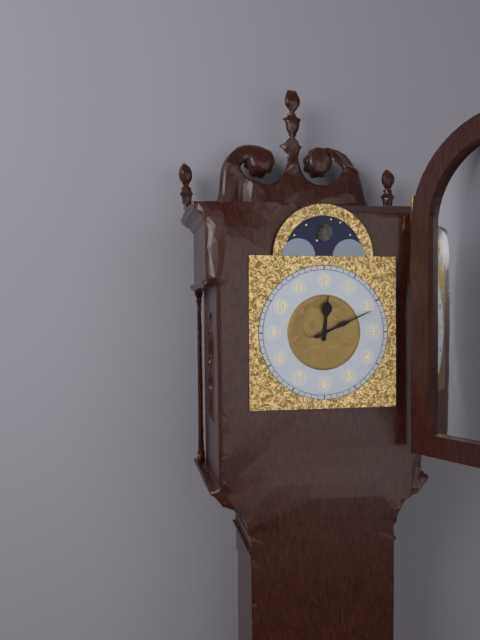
12h11
